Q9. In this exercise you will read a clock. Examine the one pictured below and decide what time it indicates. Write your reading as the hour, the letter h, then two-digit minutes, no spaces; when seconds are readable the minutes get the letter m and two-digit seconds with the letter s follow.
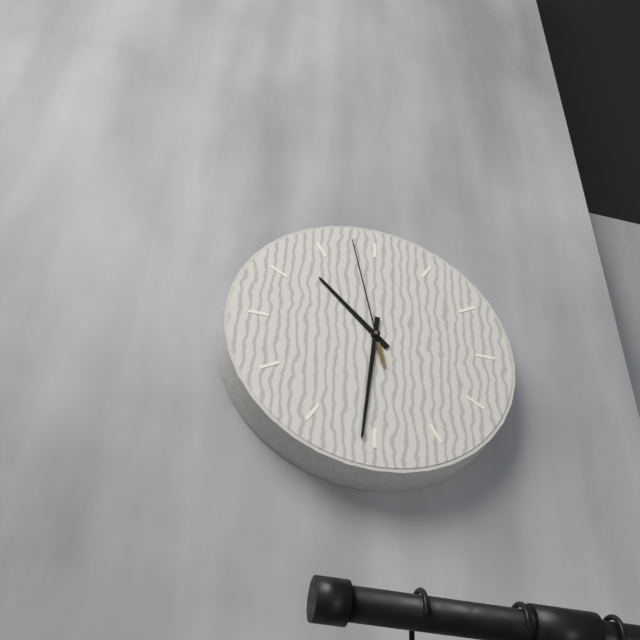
10h31m58s
